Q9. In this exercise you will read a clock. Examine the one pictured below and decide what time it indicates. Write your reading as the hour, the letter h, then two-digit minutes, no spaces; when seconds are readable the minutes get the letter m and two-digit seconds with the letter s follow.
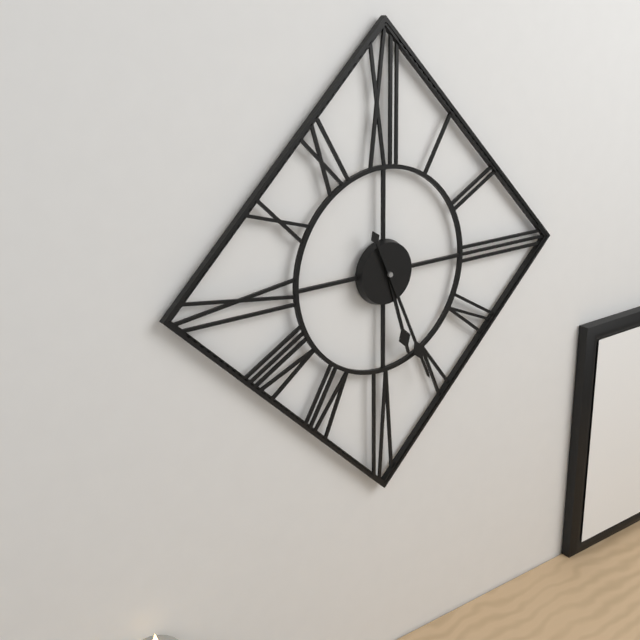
5h26
